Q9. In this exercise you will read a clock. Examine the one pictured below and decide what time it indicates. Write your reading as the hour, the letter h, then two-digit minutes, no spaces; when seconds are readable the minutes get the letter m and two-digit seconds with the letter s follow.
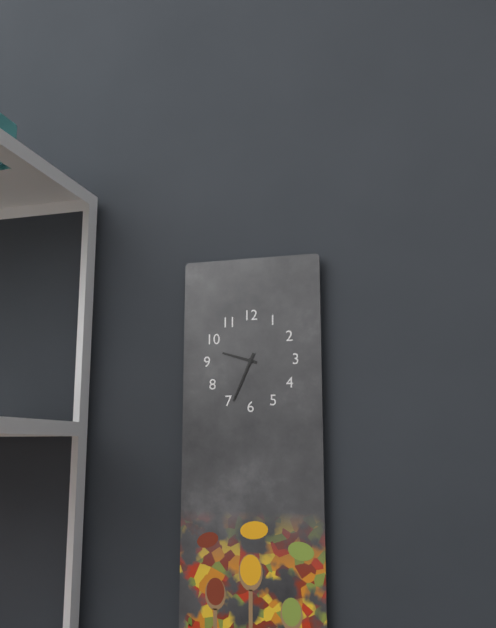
9h34
